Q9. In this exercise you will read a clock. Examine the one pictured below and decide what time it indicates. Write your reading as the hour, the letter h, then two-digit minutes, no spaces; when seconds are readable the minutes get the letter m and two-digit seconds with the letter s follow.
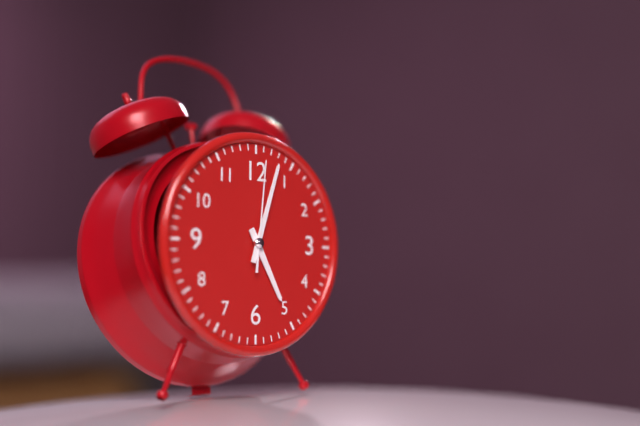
5h03m01s
